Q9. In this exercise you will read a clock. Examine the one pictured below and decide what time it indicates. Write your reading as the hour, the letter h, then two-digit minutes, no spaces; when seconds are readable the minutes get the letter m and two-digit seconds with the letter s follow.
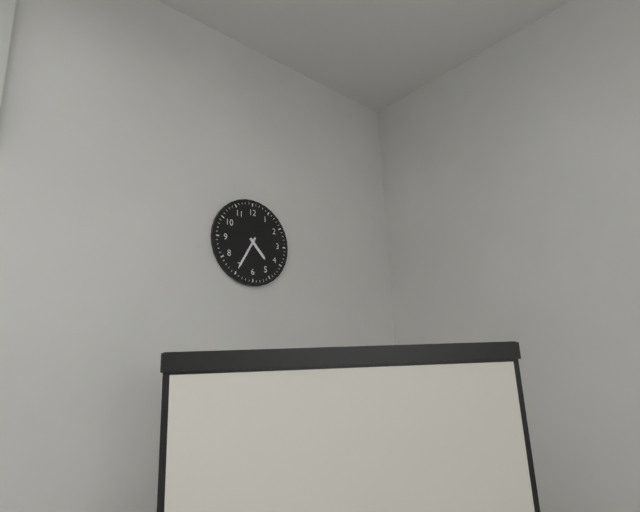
4h35
